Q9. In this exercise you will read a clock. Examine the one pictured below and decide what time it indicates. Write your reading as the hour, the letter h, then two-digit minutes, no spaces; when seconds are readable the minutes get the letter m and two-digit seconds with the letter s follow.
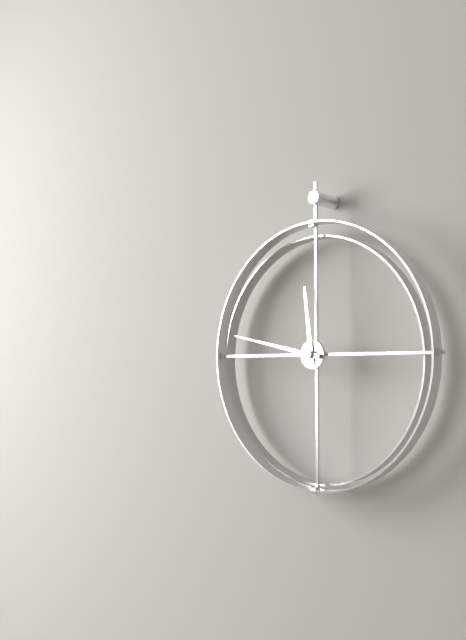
11h47
